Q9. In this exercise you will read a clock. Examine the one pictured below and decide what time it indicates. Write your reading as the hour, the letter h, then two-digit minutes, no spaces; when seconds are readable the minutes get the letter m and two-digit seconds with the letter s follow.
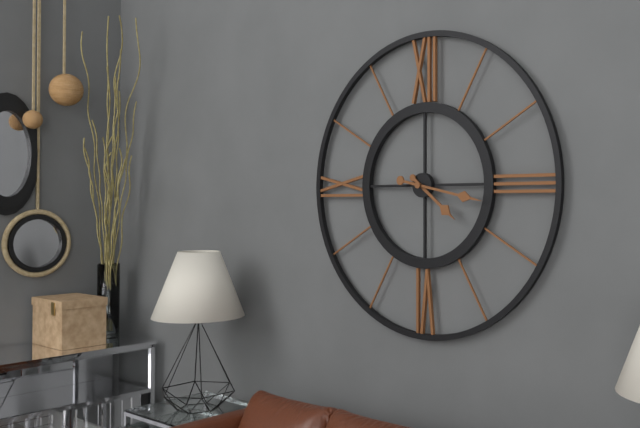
4h17
